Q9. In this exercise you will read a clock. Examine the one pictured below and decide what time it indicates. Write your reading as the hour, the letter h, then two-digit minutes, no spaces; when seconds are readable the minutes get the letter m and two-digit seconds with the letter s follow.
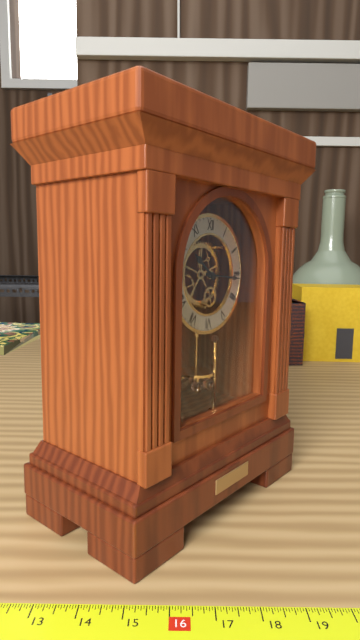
10h16
